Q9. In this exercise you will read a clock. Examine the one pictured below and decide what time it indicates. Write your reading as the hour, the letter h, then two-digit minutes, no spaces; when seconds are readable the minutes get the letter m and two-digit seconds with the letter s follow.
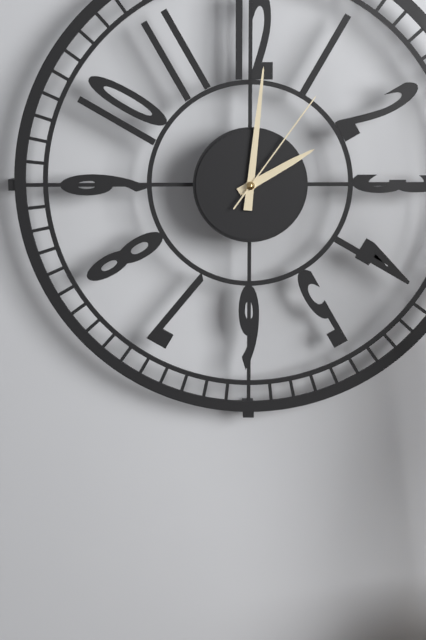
2h01m06s
